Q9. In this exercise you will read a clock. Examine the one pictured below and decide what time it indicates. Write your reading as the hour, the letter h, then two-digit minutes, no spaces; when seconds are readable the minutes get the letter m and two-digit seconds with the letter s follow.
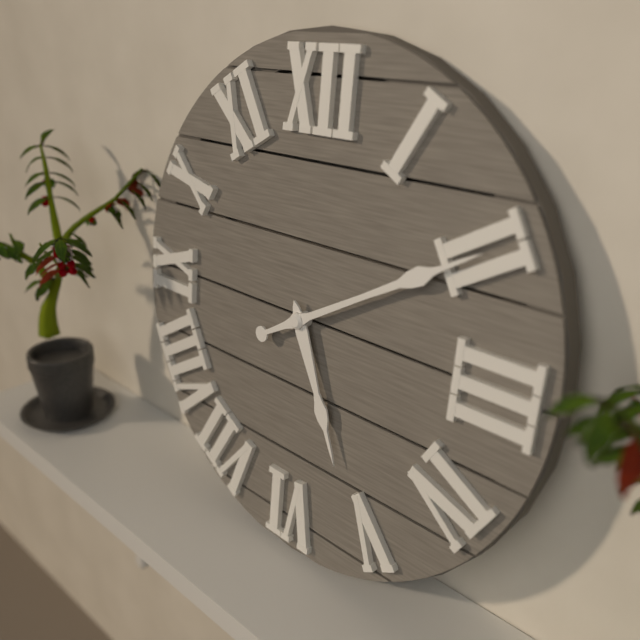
5h10
